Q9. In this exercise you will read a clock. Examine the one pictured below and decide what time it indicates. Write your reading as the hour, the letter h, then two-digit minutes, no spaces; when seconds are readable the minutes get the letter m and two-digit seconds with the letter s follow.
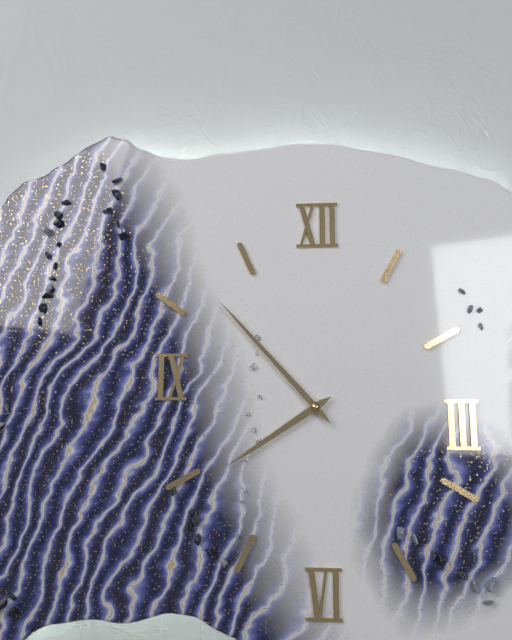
7h53
